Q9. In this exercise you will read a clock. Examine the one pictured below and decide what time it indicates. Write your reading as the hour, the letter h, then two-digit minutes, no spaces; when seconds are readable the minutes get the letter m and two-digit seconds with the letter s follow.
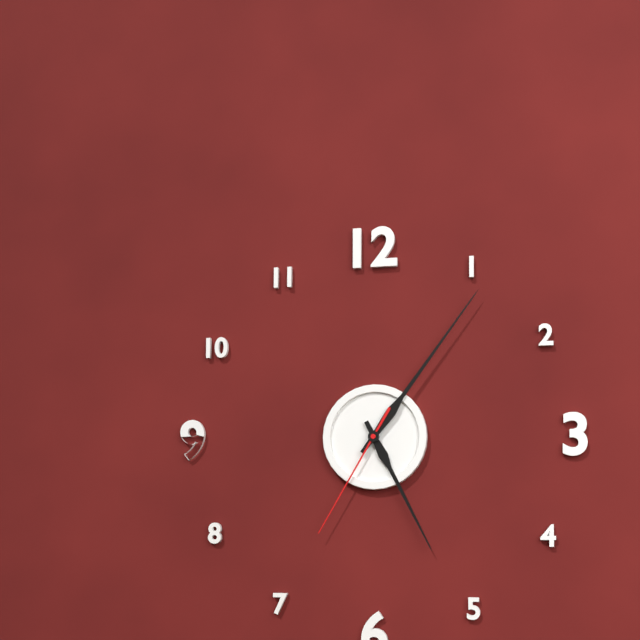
5h06m35s
